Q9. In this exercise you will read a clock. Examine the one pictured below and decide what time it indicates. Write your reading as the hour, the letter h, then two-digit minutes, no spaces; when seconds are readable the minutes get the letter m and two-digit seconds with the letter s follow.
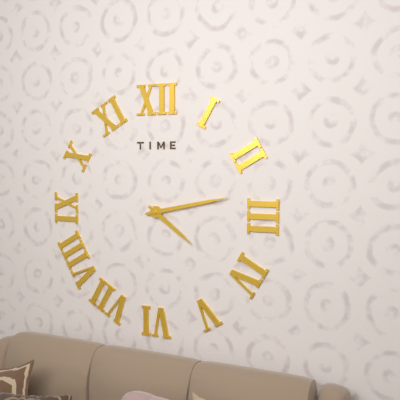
4h13
